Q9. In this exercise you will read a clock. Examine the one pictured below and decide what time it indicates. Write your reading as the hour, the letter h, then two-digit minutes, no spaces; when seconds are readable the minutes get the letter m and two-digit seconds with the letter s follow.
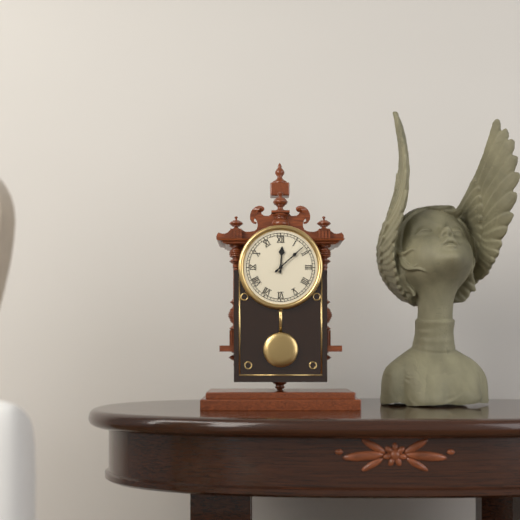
12h08
